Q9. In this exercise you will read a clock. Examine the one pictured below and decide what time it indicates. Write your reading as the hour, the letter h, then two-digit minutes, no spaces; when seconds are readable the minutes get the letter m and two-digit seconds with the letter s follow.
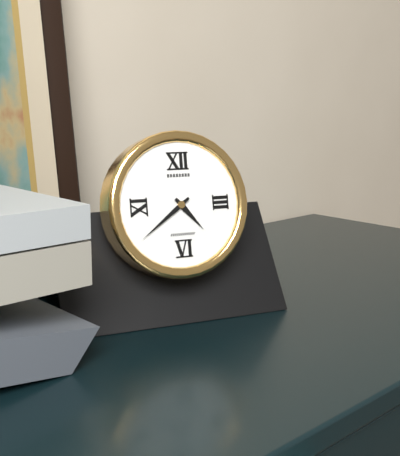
4h39
